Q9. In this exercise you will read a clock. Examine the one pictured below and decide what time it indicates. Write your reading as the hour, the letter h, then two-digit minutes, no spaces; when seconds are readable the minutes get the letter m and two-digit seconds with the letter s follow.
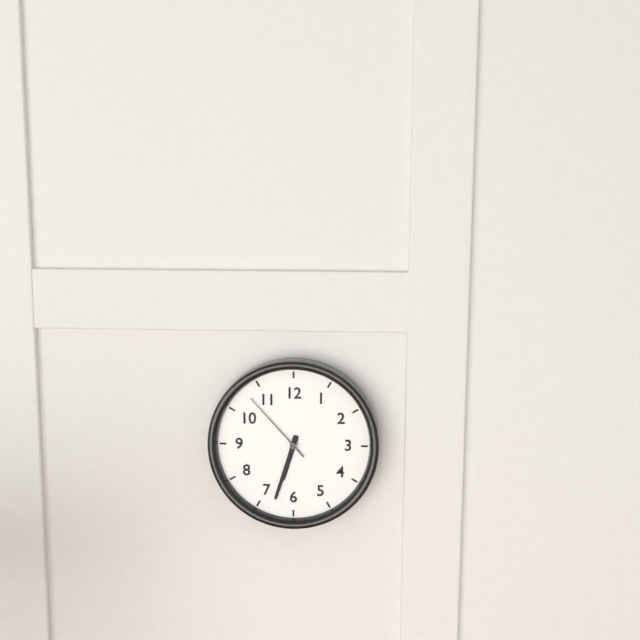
6h33m53s
